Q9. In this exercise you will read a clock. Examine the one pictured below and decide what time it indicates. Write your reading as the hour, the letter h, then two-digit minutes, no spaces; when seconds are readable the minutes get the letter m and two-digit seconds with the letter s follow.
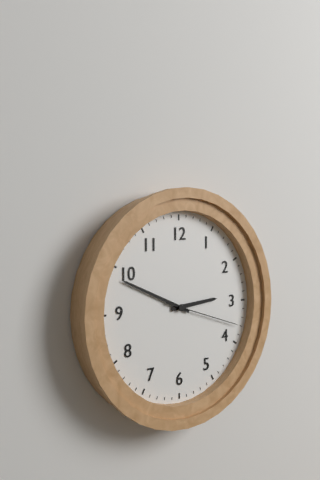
2h49m18s
